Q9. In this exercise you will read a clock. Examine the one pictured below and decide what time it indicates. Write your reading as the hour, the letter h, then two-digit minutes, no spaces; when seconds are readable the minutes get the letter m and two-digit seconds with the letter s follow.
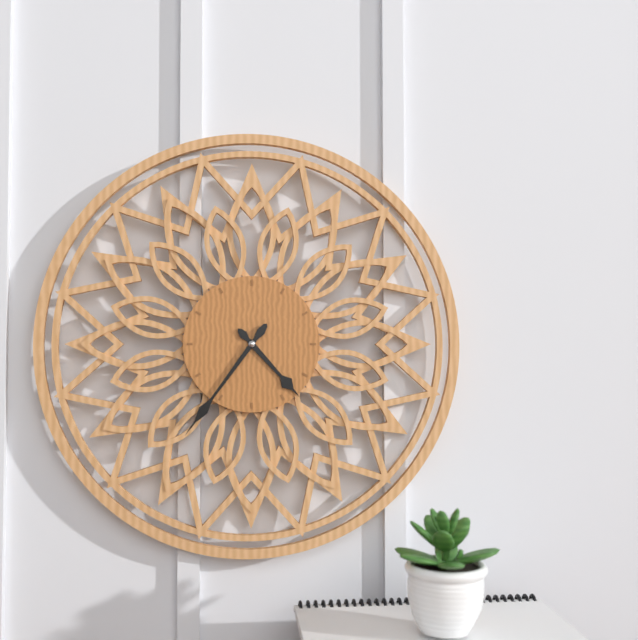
4h36
